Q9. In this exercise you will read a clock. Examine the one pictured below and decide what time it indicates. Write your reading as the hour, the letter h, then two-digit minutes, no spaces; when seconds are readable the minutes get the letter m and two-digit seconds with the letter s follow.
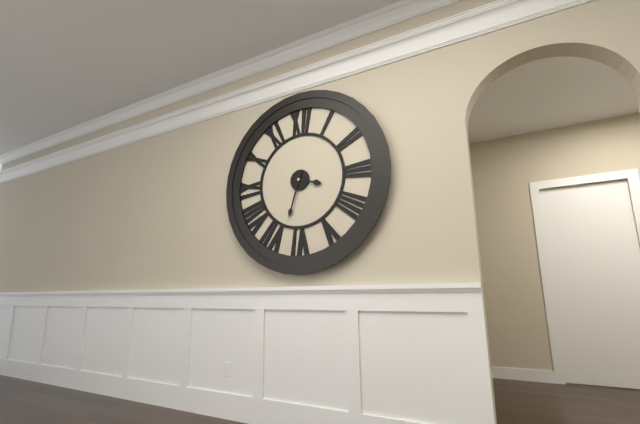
3h33
